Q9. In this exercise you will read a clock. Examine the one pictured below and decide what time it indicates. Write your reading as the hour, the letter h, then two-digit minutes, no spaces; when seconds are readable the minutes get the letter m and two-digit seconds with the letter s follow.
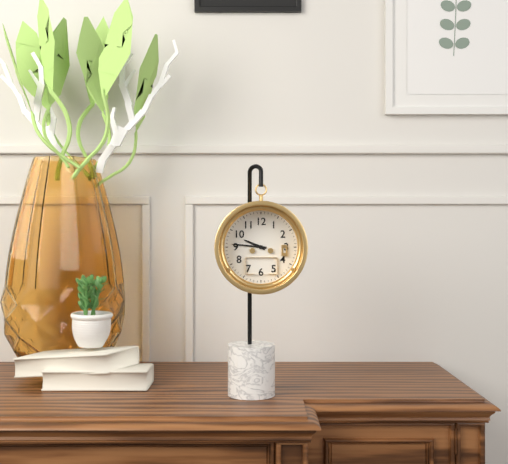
9h46
